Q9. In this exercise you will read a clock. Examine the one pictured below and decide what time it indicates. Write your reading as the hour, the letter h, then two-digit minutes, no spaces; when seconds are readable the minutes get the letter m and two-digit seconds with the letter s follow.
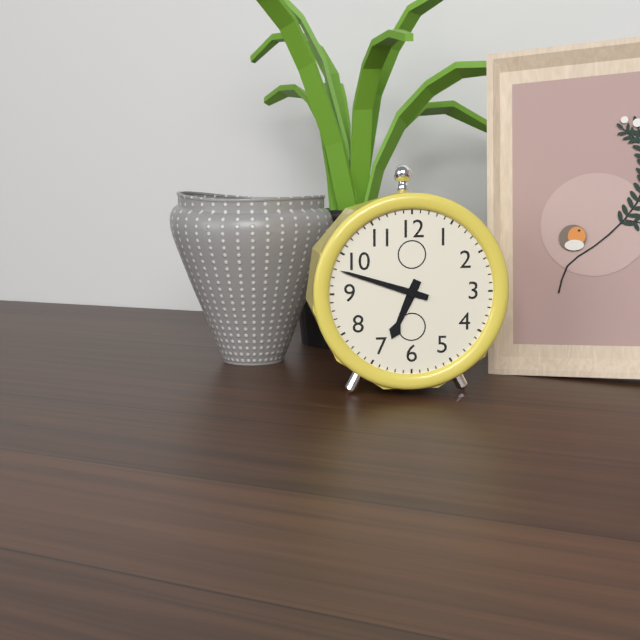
6h48
